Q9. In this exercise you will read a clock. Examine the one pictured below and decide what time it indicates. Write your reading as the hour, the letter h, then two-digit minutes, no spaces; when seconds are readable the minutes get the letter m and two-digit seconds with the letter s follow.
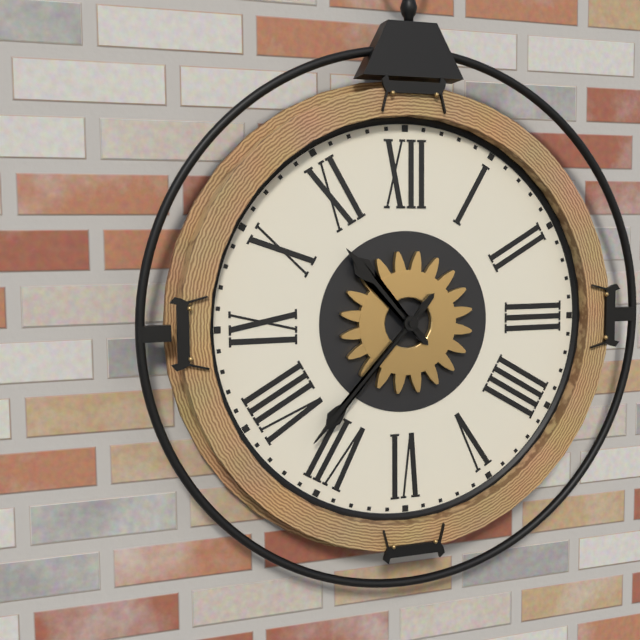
10h37
